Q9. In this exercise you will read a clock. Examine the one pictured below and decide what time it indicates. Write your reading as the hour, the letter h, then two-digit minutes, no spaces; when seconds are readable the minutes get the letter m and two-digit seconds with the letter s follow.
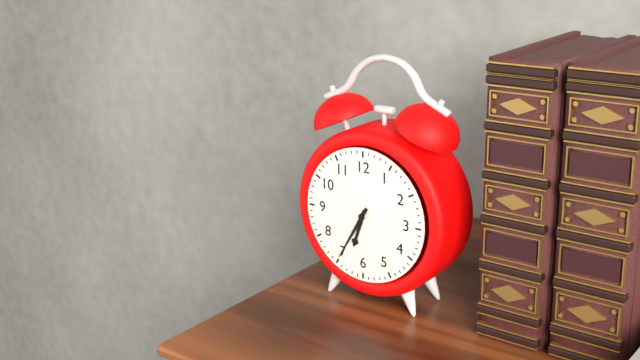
6h35
